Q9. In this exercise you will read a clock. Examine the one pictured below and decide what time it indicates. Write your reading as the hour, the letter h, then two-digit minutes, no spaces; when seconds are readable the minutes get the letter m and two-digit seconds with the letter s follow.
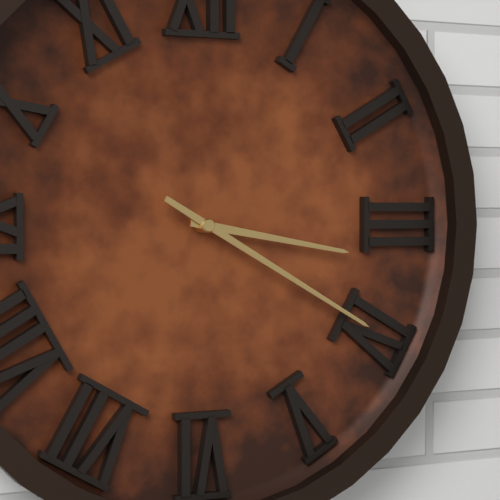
3h20
